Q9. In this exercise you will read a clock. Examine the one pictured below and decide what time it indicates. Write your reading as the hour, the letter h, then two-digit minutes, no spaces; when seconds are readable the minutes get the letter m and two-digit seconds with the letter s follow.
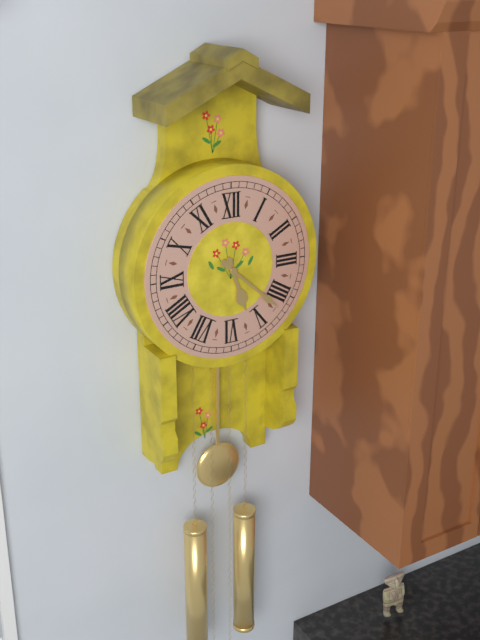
5h22
